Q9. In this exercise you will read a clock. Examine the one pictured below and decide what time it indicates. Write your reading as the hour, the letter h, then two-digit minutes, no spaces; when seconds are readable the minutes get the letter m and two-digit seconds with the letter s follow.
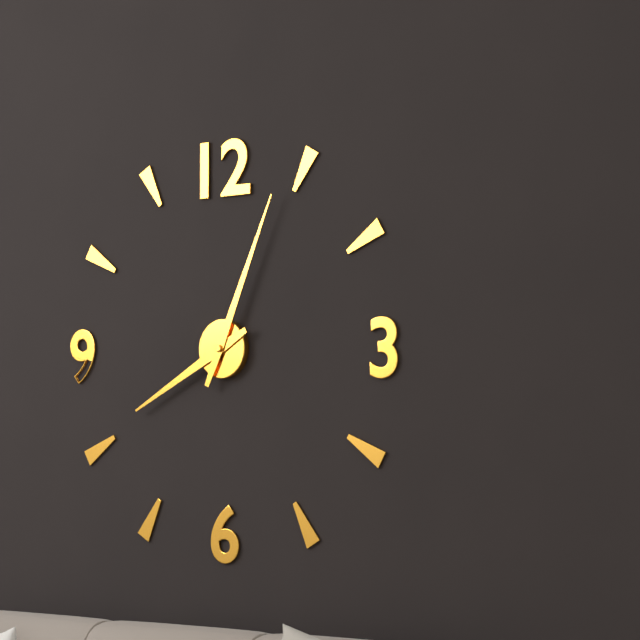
8h04
